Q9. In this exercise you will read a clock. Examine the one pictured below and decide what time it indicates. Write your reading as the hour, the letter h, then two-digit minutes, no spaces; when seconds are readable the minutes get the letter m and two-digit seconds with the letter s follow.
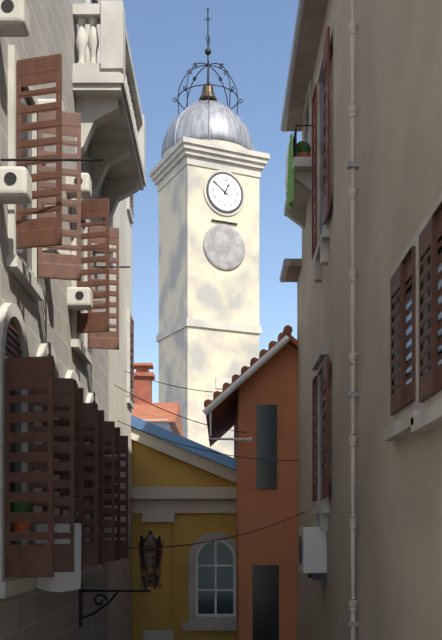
12h51
